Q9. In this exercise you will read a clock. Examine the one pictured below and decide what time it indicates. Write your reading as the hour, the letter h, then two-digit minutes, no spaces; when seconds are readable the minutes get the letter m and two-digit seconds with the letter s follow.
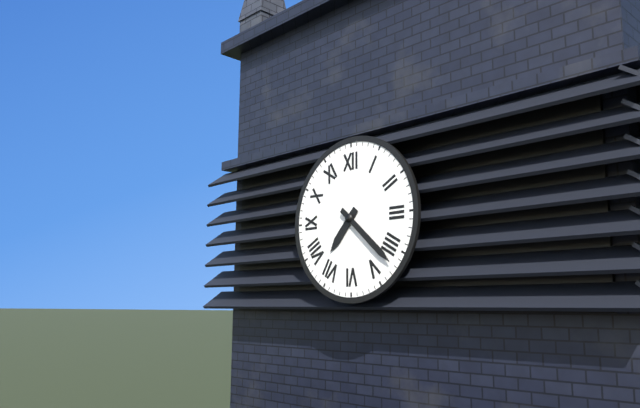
7h22
